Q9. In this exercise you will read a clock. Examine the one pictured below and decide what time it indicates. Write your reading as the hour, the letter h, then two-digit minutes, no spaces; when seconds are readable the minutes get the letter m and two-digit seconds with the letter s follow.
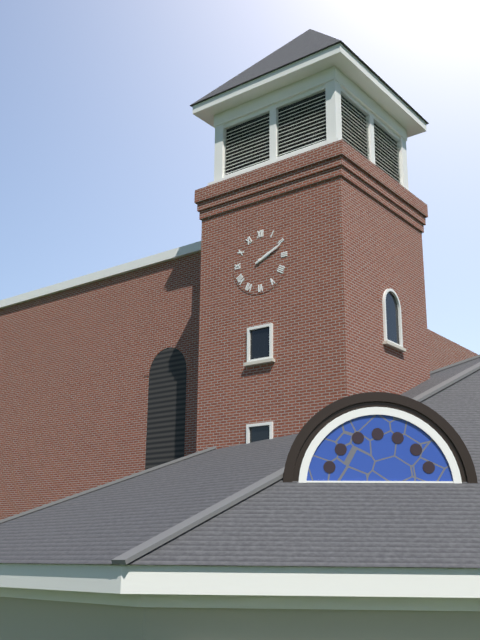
2h11
